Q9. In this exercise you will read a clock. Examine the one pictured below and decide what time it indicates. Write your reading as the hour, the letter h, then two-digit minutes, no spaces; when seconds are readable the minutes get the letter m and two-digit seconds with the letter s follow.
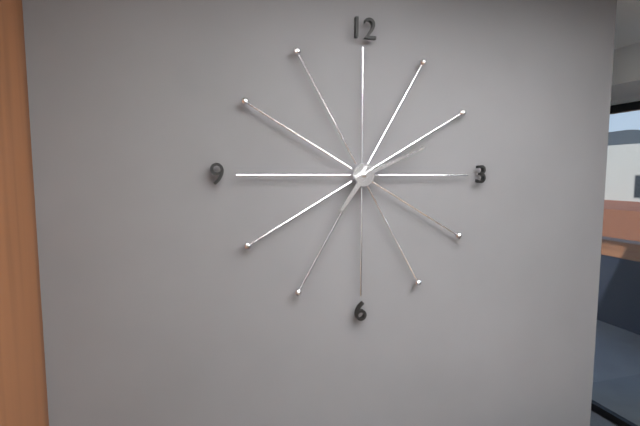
7h11
